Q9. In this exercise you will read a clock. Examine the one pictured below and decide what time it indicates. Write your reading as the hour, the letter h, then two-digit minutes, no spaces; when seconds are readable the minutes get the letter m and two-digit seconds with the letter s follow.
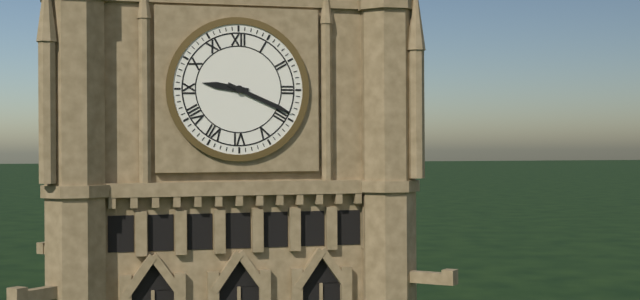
9h19
